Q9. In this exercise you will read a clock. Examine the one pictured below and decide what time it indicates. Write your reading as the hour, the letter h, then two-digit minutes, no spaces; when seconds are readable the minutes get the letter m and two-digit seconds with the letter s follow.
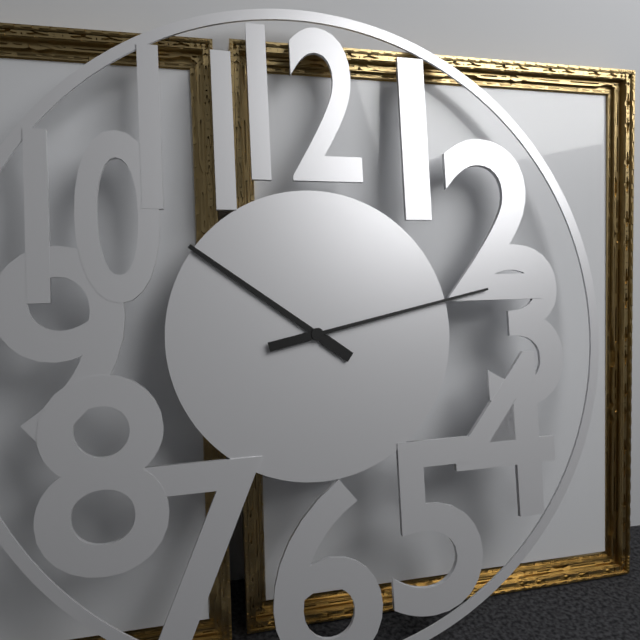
10h13
